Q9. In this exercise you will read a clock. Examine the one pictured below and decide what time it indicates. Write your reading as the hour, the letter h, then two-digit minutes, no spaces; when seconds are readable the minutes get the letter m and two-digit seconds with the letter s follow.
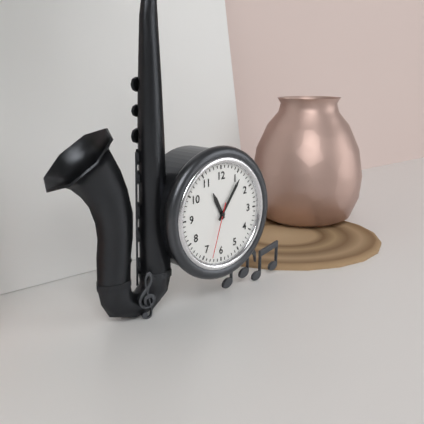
11h06m33s
